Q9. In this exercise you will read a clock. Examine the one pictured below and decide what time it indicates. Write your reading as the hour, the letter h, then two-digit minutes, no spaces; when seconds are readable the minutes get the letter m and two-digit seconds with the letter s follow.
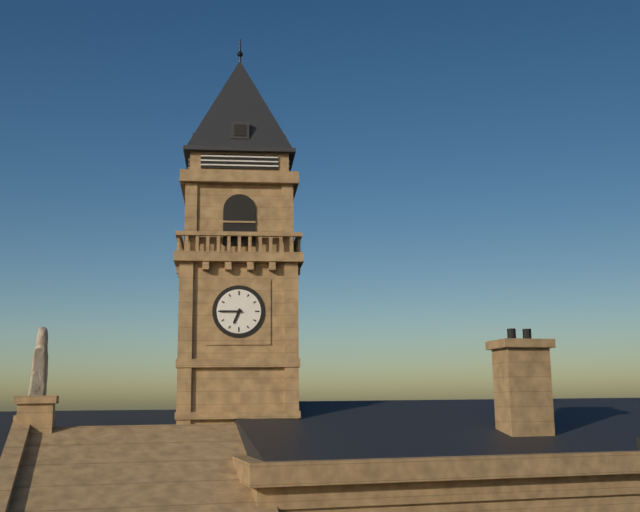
6h45
